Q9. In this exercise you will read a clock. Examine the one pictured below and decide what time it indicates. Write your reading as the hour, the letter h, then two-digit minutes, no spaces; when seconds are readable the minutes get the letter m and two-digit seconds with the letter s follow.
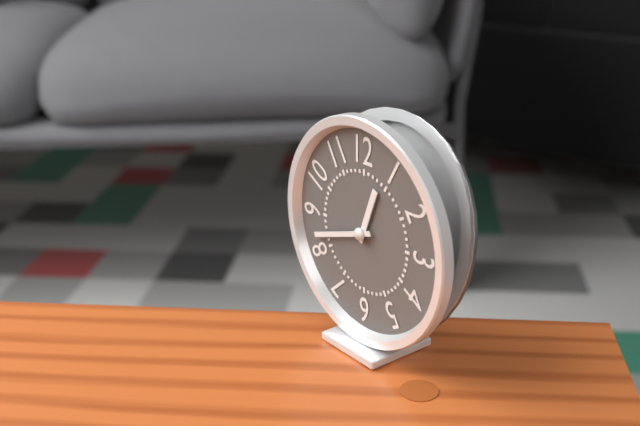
12h42
